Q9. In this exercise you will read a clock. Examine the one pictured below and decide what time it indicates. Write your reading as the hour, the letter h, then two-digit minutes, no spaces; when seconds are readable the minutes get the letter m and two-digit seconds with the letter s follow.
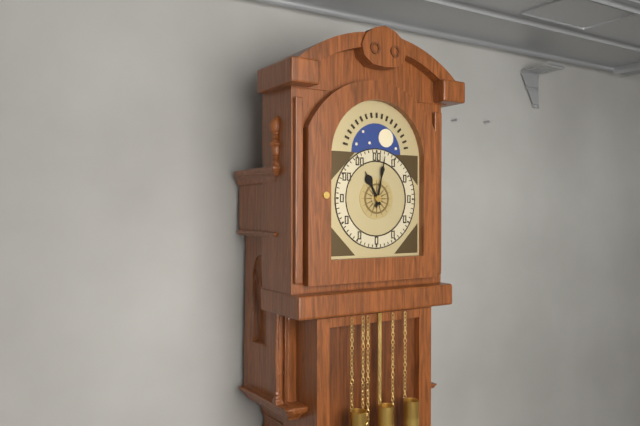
11h02
